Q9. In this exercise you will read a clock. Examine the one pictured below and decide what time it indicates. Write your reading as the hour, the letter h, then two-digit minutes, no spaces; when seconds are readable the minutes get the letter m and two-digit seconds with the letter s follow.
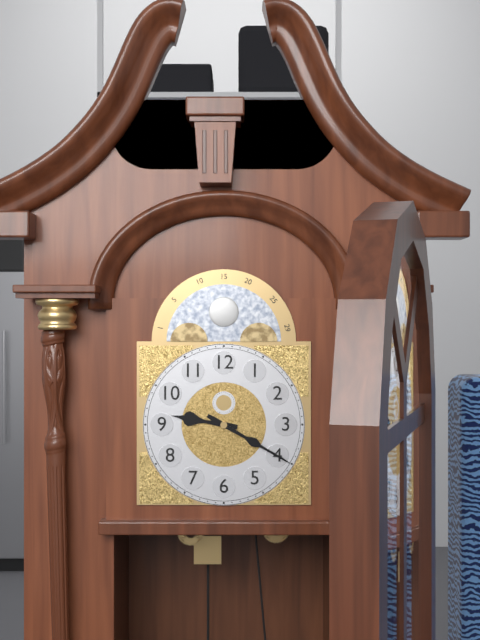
9h20
